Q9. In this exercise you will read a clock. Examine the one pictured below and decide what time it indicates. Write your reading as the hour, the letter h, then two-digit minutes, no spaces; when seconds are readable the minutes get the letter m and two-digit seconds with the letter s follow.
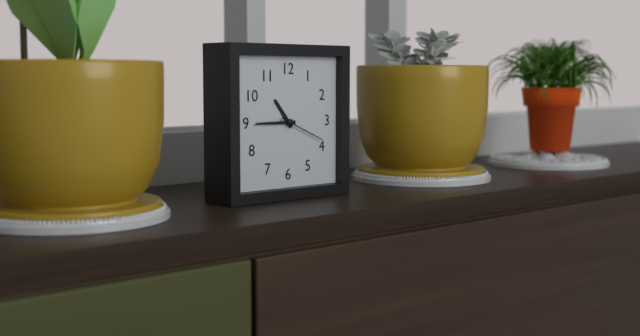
10h45
